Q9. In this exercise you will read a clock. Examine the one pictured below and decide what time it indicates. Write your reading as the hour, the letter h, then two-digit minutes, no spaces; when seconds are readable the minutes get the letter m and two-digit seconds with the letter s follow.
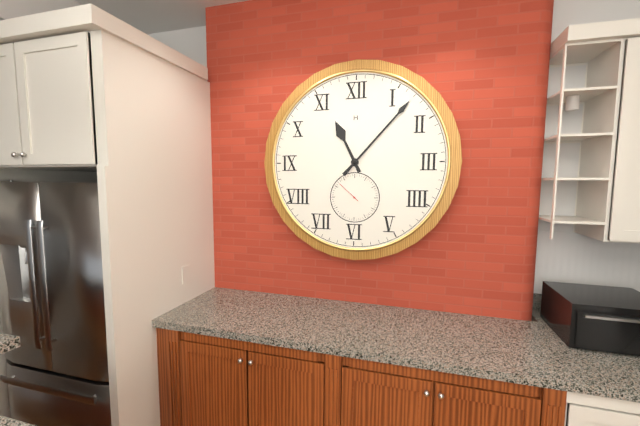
11h07
